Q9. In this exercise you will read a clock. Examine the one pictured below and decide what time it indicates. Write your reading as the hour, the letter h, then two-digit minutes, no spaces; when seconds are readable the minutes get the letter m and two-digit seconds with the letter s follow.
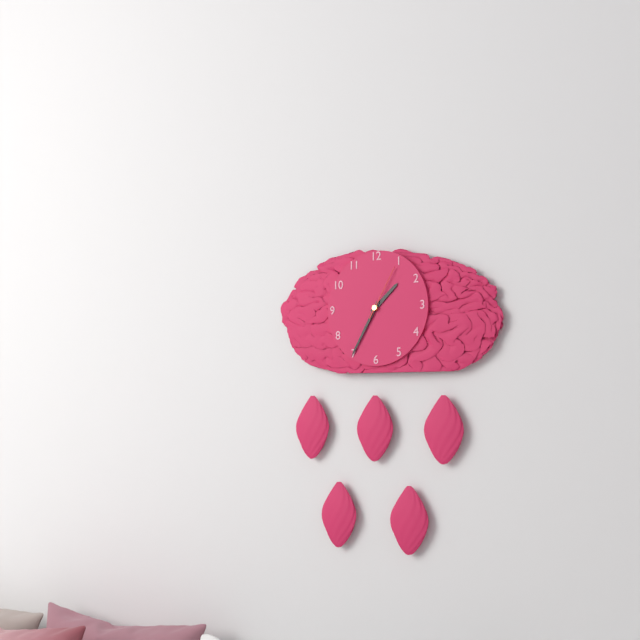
1h35m05s
